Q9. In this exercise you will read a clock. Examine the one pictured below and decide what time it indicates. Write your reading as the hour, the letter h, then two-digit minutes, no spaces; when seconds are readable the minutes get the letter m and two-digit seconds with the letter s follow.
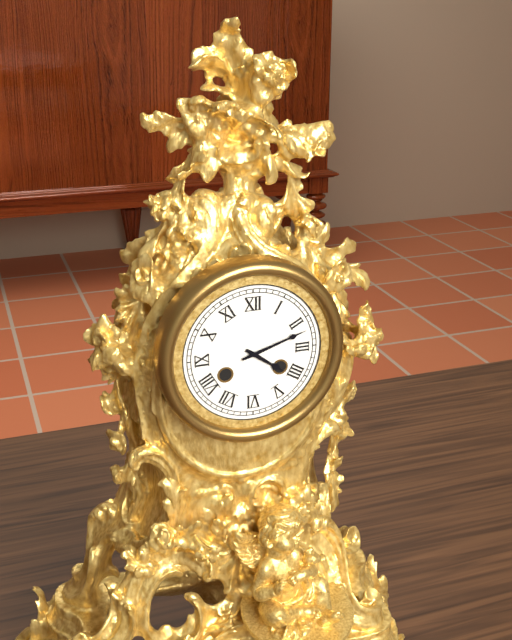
4h12
